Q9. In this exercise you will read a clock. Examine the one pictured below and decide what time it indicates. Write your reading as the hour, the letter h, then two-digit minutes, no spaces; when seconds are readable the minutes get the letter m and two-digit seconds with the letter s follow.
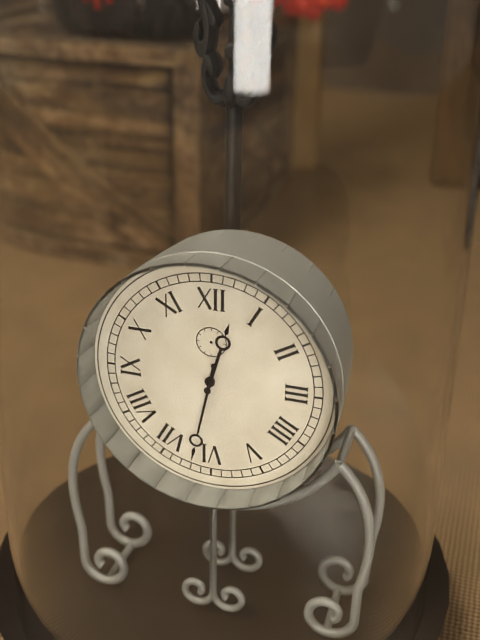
12h32
